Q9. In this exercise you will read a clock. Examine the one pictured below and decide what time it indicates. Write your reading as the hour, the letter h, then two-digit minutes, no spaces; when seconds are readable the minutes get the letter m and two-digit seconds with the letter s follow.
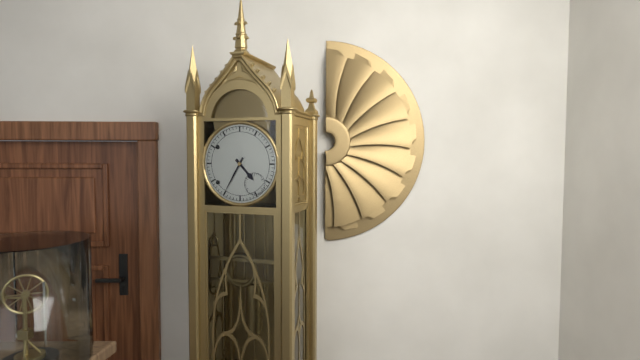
4h35
